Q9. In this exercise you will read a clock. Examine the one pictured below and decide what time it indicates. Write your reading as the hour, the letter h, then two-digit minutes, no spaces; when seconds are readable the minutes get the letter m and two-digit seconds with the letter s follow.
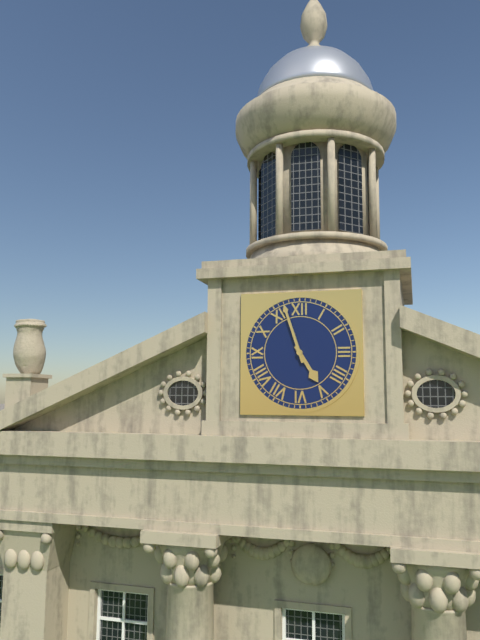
4h57
